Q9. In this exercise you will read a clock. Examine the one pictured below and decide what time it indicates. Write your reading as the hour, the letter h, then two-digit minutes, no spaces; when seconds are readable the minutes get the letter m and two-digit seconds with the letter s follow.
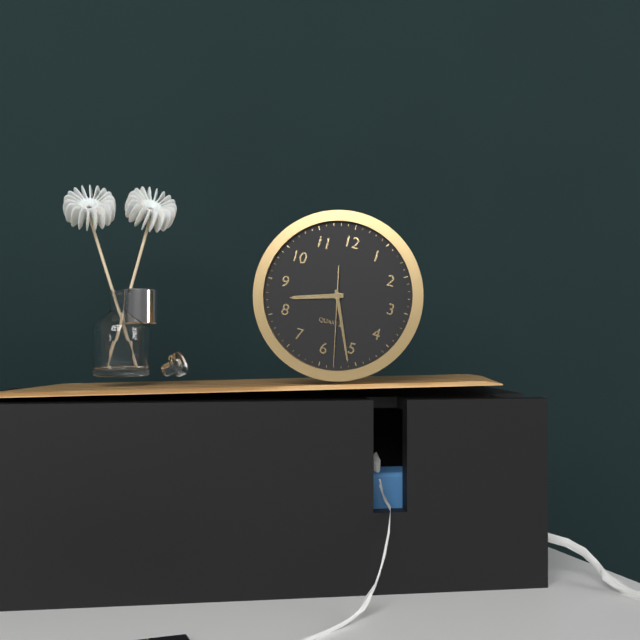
8h26m28s
